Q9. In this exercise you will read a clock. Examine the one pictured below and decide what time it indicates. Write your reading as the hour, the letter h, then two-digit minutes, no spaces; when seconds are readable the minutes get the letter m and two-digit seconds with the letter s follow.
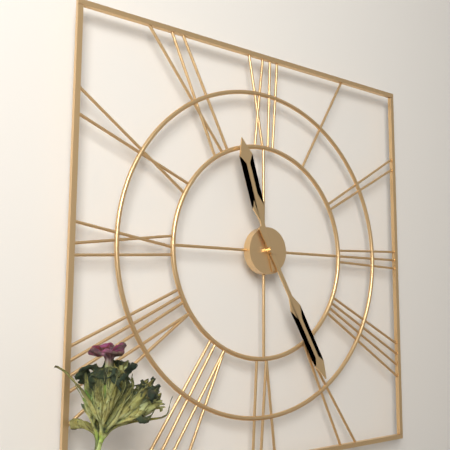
11h25
